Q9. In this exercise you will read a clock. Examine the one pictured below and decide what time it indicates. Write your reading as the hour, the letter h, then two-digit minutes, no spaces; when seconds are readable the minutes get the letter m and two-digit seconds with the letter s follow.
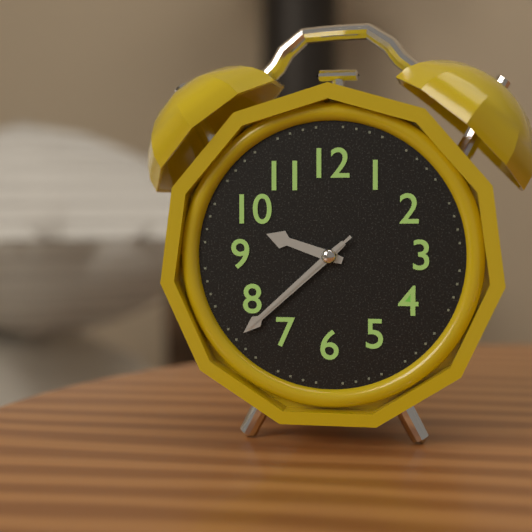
9h38m38s
